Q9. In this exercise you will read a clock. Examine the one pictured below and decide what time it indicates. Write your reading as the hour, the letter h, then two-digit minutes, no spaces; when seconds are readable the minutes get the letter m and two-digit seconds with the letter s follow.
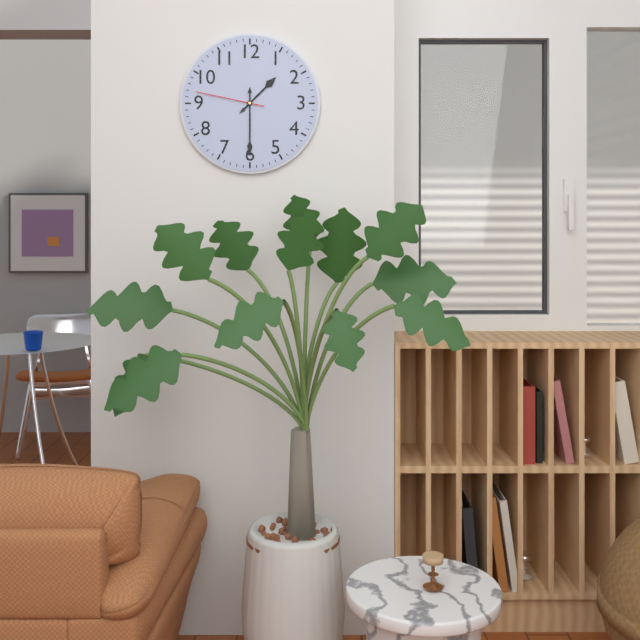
1h30m47s
